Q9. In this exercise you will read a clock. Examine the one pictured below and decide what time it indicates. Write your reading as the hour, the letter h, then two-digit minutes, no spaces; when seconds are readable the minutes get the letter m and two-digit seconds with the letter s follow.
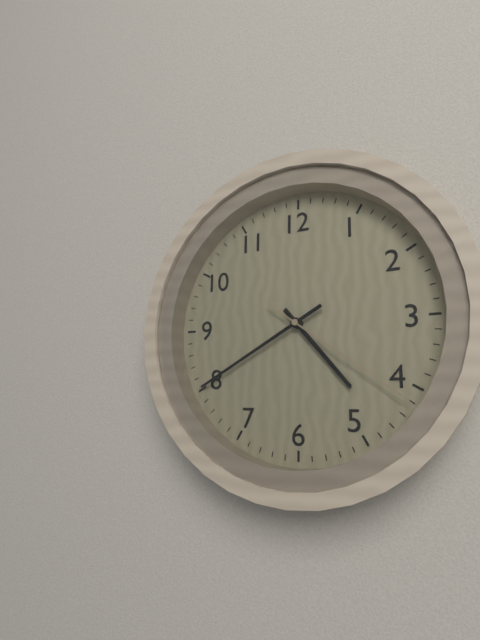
4h40m21s
